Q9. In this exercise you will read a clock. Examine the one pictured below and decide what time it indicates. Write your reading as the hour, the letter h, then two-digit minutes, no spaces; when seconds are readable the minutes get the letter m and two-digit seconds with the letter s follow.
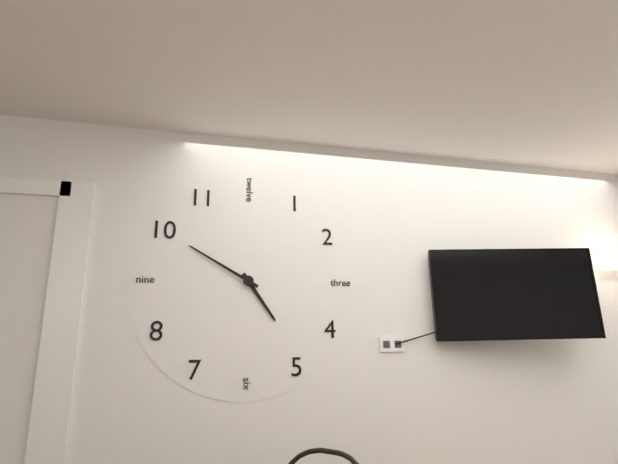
4h50
